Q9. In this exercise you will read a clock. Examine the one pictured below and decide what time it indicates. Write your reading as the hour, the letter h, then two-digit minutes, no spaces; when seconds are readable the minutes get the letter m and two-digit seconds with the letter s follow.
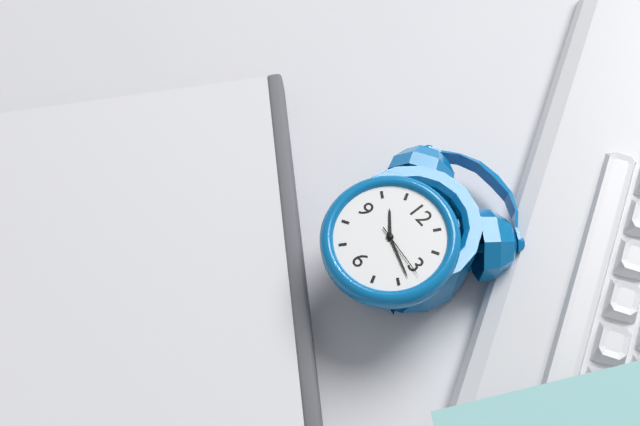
10h18m16s
